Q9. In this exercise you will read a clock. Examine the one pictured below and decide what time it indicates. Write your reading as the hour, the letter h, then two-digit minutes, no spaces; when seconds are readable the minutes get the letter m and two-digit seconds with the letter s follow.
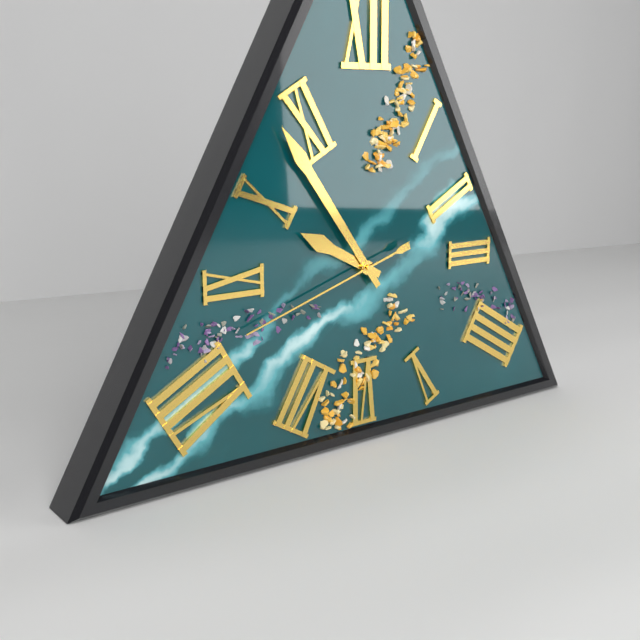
9h54m42s
